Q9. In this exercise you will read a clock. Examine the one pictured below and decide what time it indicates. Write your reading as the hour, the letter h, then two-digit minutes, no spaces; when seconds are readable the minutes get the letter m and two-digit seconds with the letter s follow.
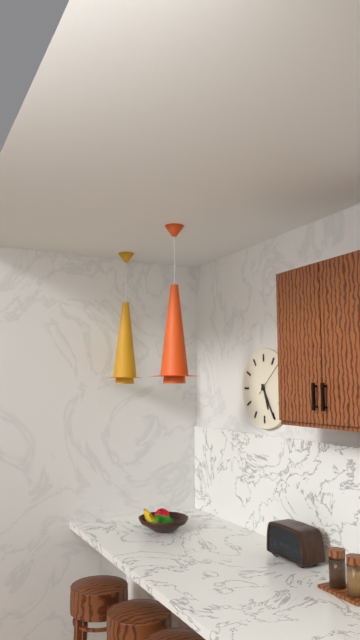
5h25
